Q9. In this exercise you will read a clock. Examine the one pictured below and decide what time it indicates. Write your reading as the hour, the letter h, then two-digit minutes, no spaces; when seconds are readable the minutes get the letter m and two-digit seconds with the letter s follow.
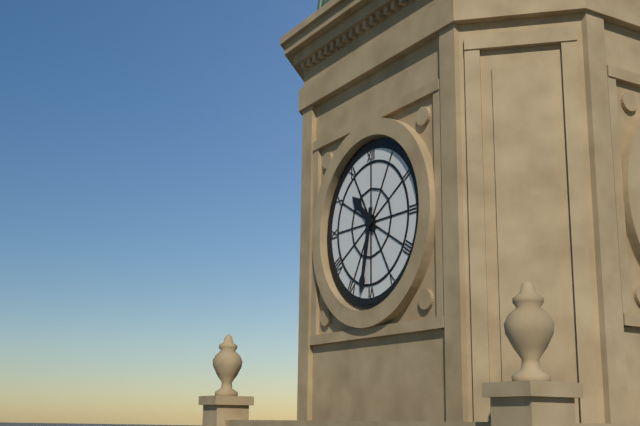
10h32
